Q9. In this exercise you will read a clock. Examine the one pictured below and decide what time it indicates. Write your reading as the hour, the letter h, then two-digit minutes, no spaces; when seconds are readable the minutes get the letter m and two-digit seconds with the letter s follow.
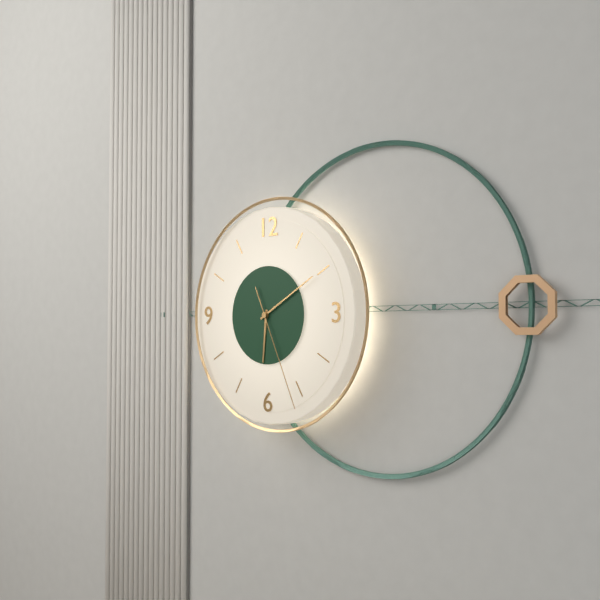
6h10m26s
